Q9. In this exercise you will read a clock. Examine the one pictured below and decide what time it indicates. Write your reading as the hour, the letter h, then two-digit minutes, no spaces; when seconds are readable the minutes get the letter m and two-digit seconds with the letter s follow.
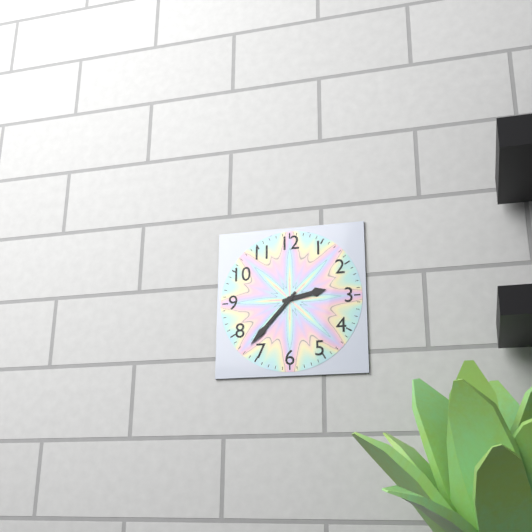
2h37
